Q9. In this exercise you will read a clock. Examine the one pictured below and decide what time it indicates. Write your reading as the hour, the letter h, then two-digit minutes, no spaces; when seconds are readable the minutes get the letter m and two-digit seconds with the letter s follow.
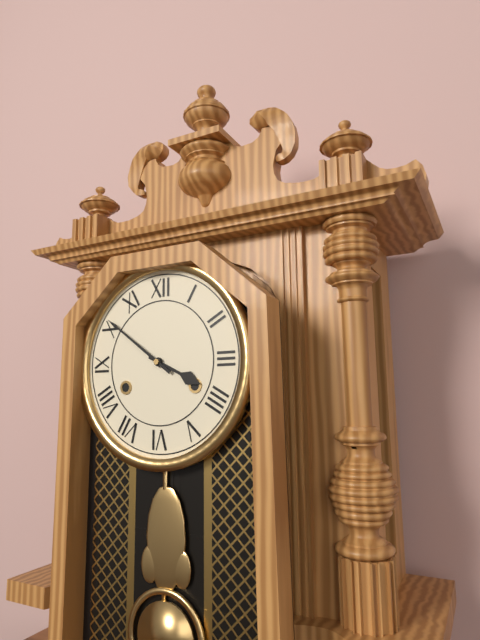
3h51
